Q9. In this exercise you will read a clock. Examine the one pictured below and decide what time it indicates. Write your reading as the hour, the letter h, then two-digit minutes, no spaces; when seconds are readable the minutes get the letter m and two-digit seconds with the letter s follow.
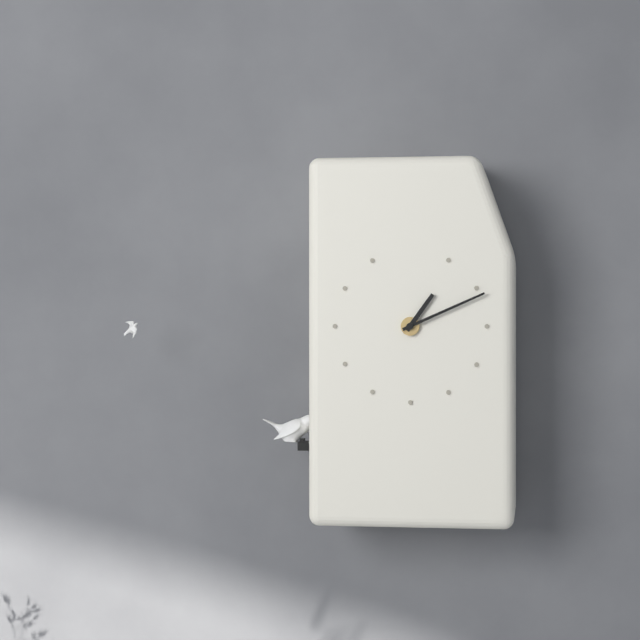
1h11
